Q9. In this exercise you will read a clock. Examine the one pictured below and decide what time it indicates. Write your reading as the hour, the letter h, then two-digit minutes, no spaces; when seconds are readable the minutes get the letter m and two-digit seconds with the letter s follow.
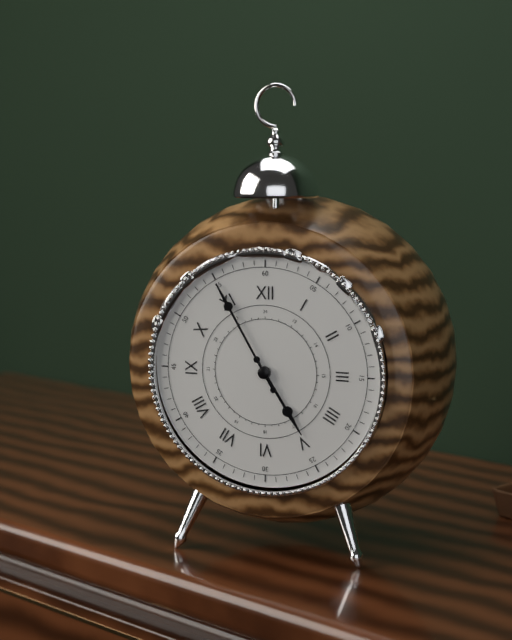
4h55
